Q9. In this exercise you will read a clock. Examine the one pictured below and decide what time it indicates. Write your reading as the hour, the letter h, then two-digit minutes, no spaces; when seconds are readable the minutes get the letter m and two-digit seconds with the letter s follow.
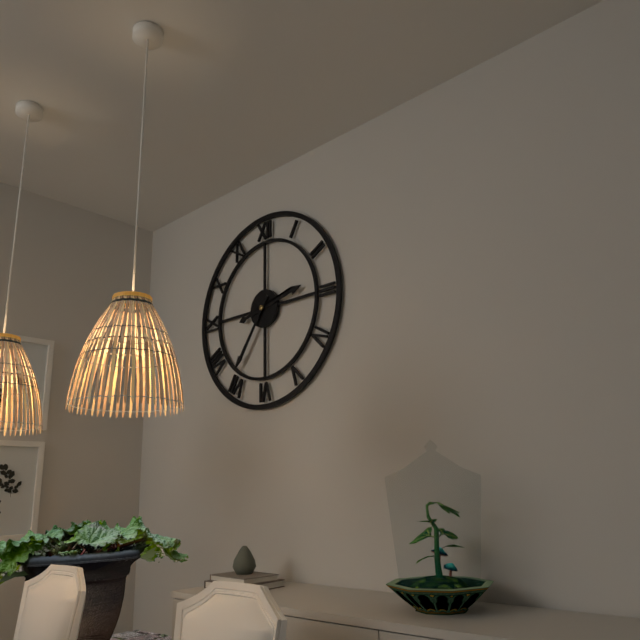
2h36
